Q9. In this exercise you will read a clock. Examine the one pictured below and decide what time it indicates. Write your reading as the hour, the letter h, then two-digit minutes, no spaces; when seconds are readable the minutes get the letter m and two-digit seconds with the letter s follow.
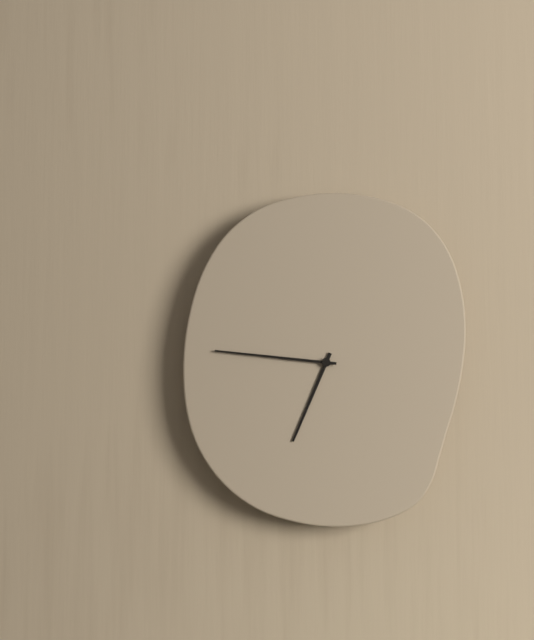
6h46
